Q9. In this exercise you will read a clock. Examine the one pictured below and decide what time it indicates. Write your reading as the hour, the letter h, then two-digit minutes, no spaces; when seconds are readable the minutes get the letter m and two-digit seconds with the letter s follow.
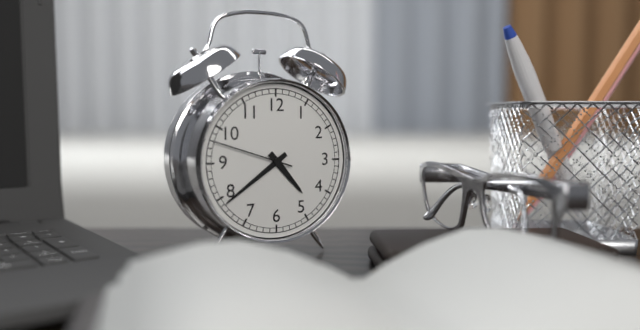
4h39m48s
